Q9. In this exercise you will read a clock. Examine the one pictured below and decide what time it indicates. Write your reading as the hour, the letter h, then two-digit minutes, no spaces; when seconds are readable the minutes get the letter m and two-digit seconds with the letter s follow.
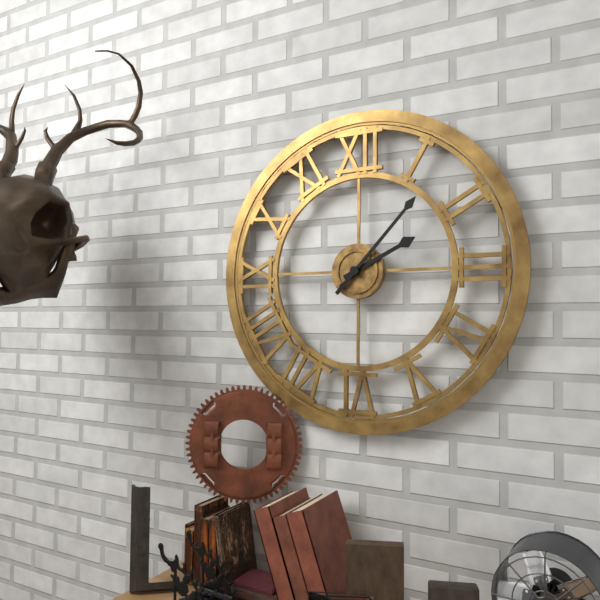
2h07
